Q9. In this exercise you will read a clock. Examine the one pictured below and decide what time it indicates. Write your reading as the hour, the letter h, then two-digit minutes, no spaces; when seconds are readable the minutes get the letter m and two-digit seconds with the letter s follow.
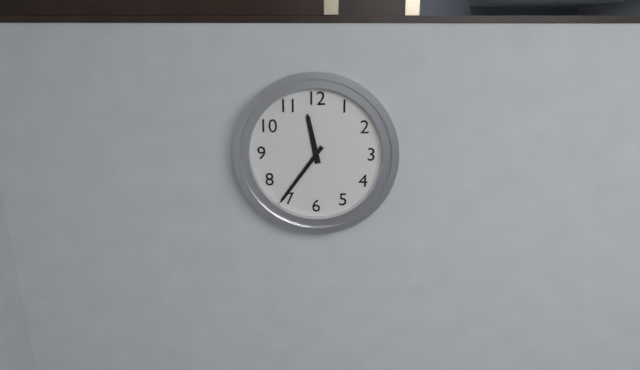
11h36
